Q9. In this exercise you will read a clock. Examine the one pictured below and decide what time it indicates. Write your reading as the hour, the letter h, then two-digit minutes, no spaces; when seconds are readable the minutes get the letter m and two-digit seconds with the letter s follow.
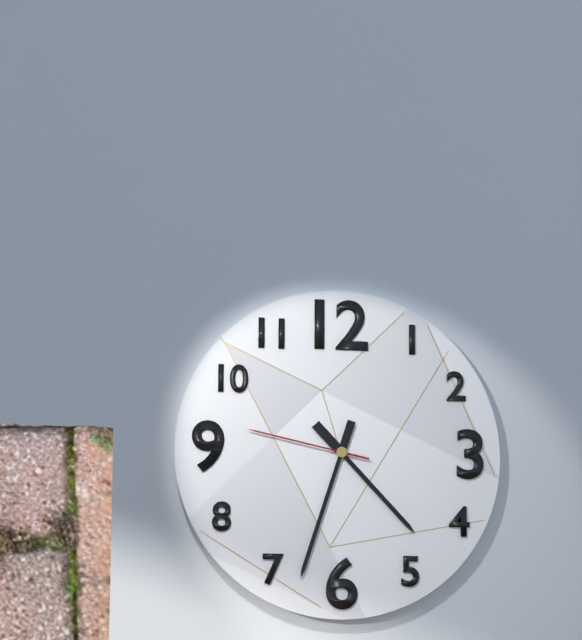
4h33m47s
